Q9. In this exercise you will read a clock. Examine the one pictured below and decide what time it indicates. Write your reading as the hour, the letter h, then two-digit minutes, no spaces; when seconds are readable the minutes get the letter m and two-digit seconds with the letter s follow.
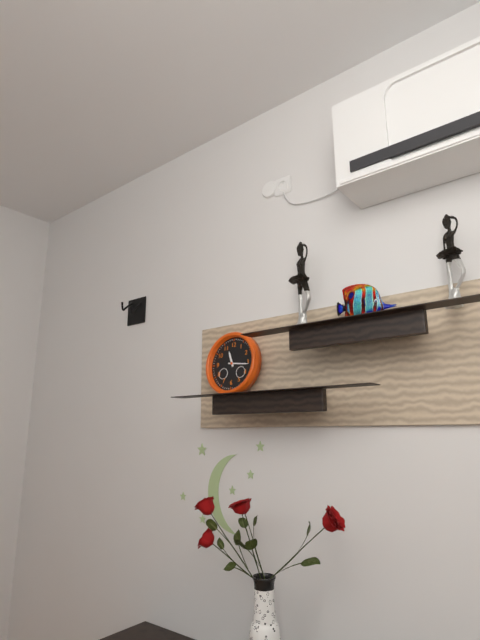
11h16
